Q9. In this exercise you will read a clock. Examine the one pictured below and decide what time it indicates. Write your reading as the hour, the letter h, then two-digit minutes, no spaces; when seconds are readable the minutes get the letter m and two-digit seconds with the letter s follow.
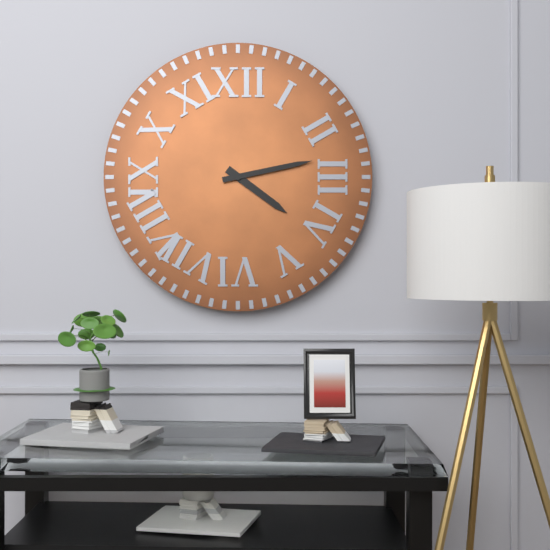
4h13
